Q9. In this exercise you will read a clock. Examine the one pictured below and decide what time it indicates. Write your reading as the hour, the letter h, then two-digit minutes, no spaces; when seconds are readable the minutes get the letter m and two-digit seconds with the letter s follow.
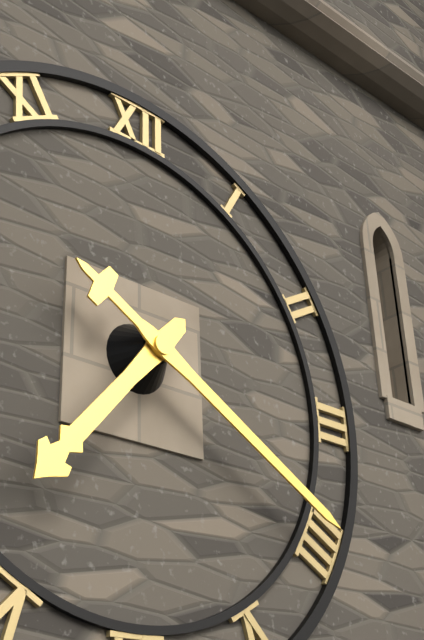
7h20
